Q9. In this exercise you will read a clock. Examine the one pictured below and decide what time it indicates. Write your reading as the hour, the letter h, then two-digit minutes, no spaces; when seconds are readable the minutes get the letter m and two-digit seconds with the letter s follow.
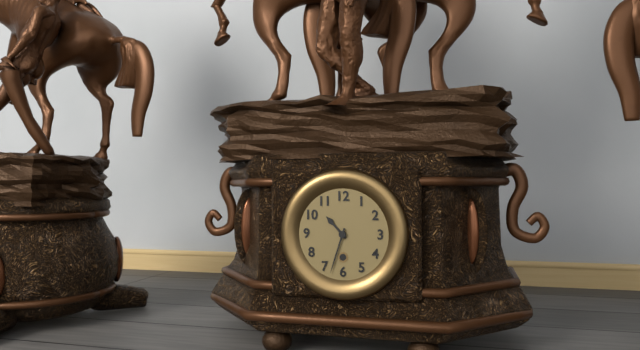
10h33
